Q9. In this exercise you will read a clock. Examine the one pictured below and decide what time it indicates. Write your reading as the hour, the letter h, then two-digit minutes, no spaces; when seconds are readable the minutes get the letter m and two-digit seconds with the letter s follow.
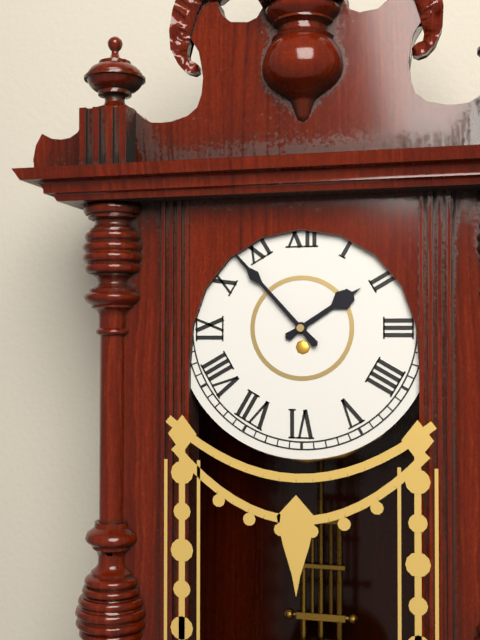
1h53
